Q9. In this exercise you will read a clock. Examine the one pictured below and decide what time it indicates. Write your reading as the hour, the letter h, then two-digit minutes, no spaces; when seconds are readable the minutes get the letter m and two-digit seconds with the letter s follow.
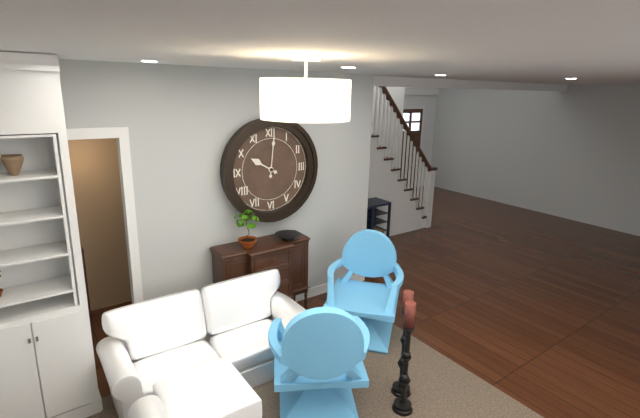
10h01
